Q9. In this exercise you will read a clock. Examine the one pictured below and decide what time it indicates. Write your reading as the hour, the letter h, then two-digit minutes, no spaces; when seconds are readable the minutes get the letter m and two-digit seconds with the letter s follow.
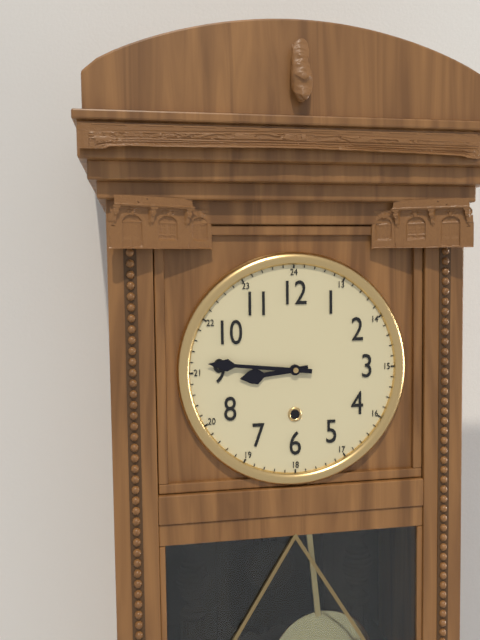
8h46
